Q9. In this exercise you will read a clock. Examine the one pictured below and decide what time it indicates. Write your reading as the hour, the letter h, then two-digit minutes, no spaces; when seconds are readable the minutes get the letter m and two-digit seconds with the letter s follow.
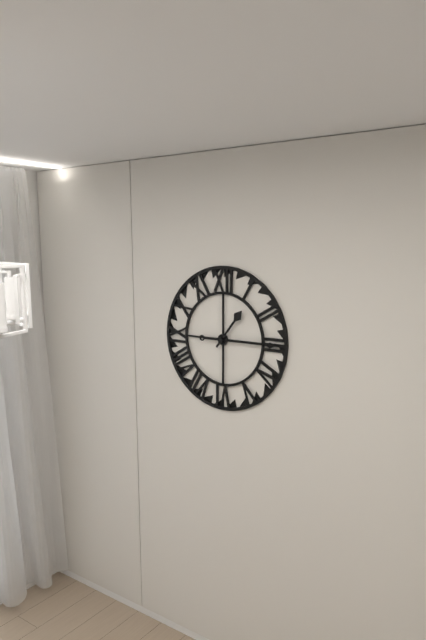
1h15
